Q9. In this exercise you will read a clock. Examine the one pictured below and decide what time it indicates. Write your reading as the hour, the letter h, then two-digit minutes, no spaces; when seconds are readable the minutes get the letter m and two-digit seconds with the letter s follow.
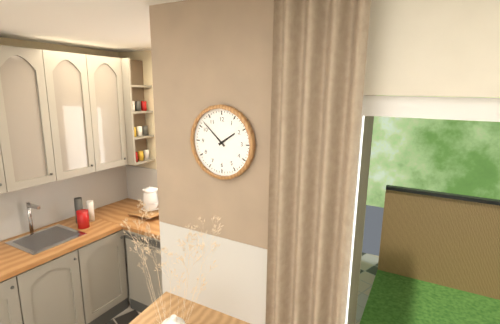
1h52
